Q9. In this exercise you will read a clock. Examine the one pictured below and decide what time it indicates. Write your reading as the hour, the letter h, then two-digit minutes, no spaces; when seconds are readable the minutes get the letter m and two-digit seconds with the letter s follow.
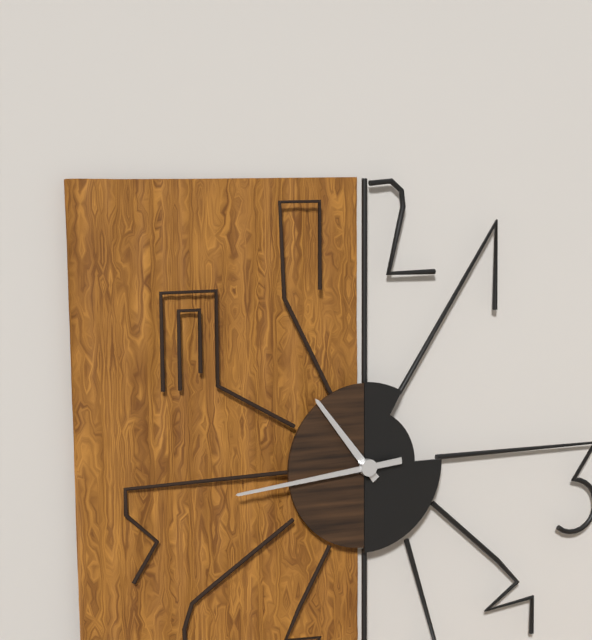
10h44
